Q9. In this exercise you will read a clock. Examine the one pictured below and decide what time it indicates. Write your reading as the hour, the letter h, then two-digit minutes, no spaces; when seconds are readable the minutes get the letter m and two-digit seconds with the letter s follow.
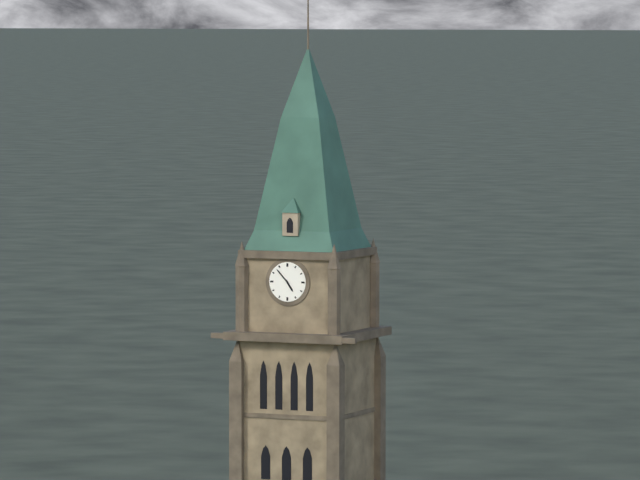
4h53
